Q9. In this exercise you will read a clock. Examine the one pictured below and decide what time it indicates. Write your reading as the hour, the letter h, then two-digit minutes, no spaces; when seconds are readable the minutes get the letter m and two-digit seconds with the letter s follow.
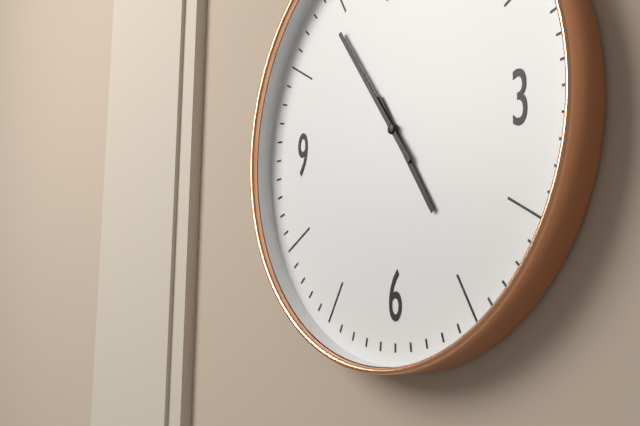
4h54
